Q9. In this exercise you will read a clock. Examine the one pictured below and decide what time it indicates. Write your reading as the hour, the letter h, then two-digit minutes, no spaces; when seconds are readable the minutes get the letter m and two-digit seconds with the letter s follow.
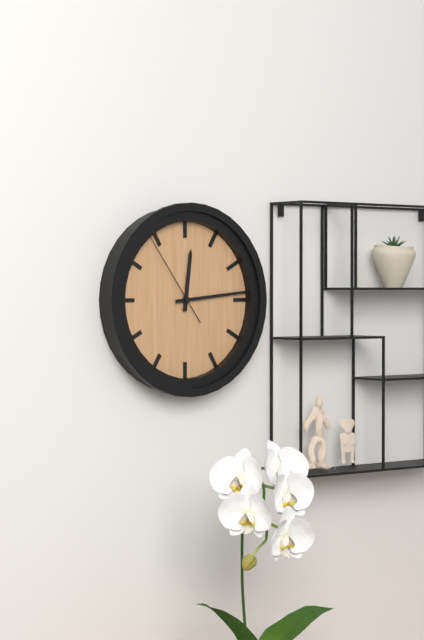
12h14m54s
